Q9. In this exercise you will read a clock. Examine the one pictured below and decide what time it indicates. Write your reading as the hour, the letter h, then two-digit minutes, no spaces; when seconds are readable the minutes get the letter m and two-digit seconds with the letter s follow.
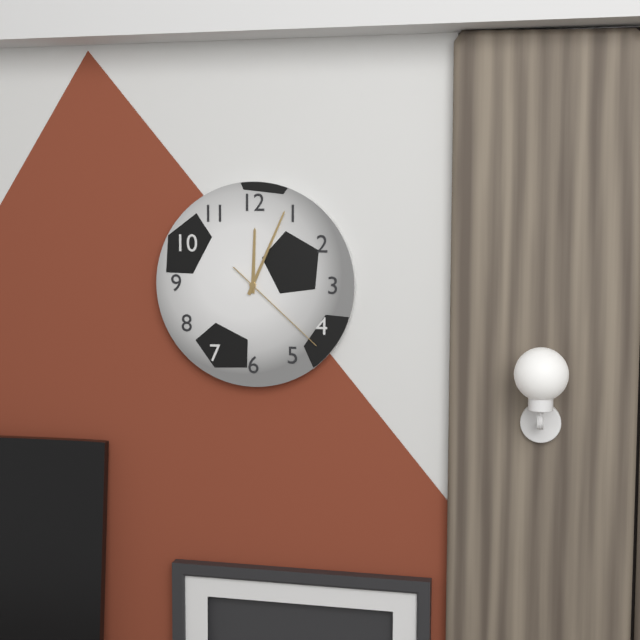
12h04m22s
